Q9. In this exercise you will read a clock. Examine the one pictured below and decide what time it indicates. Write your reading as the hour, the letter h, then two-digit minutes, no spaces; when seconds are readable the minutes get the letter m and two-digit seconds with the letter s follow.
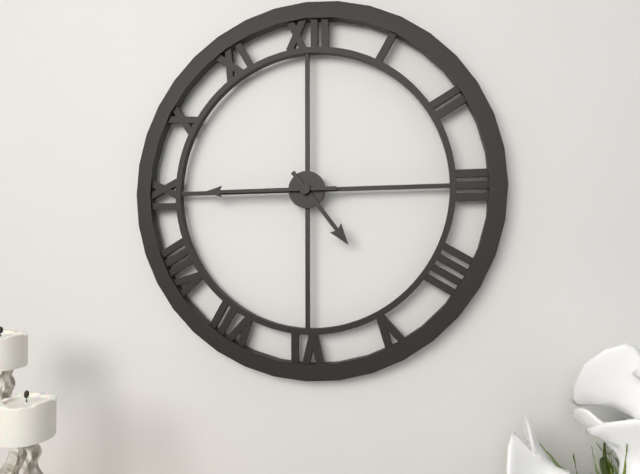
4h45
